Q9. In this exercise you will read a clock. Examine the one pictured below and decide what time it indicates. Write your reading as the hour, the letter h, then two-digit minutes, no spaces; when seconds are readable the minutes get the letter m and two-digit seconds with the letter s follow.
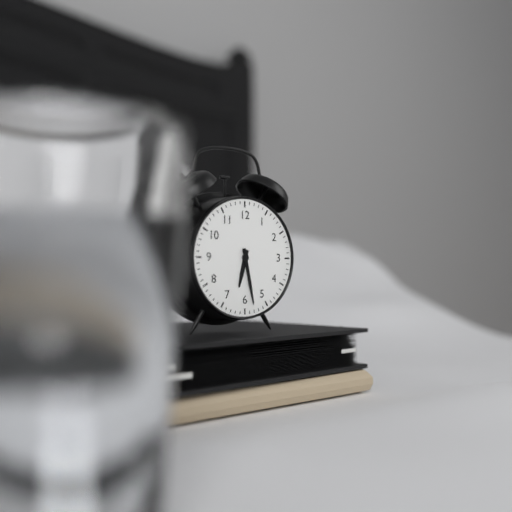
6h28
